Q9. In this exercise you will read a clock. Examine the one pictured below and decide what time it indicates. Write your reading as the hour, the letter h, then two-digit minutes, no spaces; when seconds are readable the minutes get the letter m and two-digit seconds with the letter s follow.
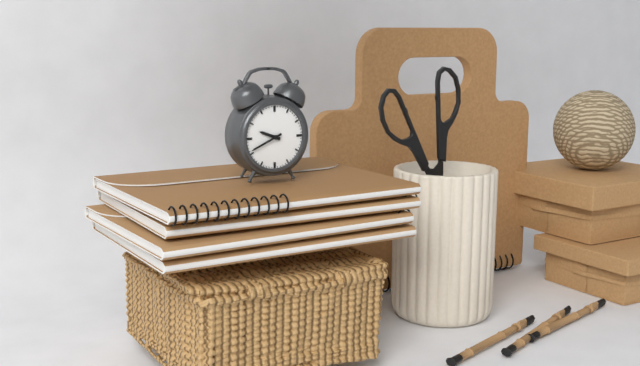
9h41
